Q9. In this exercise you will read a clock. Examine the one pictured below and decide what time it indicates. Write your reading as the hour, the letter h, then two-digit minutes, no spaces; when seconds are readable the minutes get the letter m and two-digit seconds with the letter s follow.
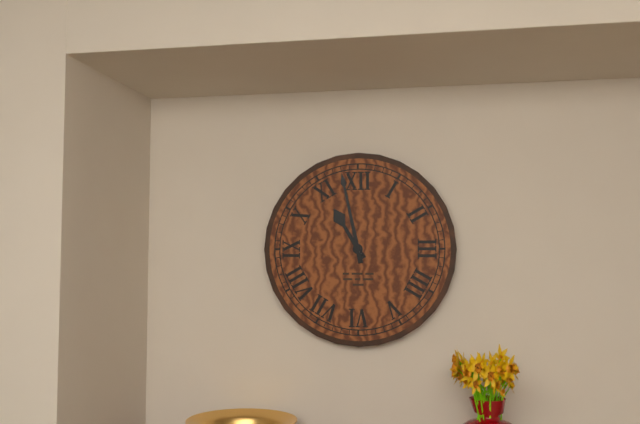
10h58
